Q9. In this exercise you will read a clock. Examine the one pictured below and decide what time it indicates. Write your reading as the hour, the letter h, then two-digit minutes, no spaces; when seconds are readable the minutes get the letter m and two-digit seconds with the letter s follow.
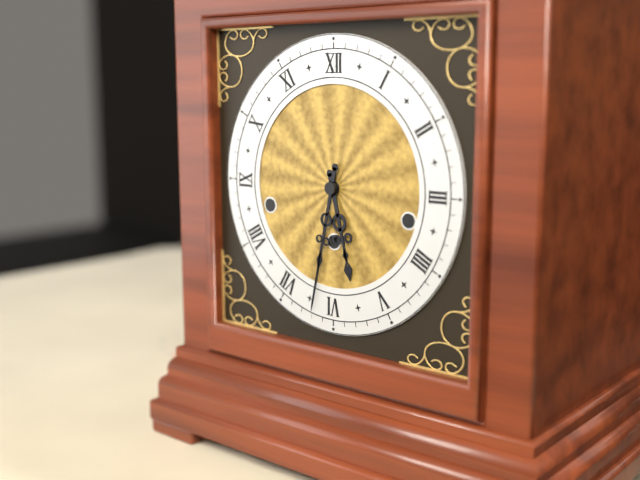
5h32
